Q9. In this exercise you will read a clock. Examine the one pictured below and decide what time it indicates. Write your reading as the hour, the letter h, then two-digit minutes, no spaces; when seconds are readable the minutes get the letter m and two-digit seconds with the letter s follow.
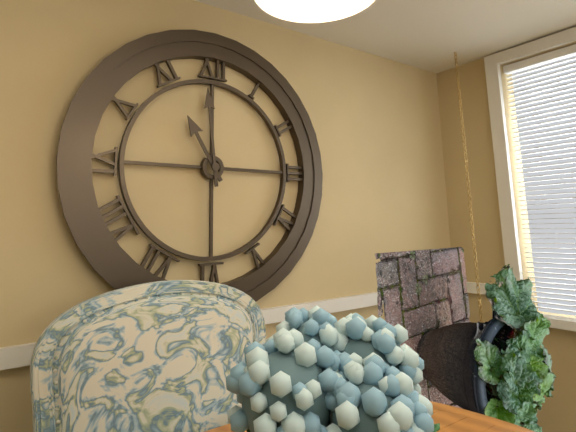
10h59
